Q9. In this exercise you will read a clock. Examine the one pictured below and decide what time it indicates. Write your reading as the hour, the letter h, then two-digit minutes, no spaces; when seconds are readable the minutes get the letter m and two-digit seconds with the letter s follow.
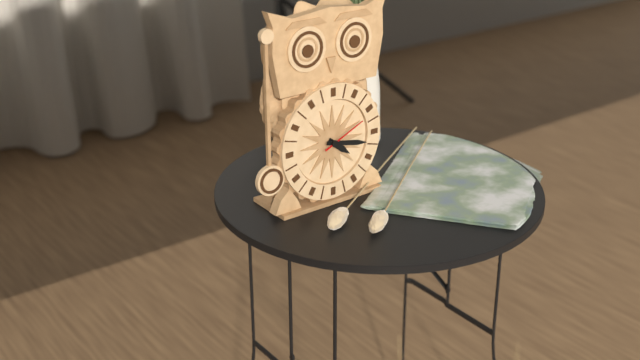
4h17
